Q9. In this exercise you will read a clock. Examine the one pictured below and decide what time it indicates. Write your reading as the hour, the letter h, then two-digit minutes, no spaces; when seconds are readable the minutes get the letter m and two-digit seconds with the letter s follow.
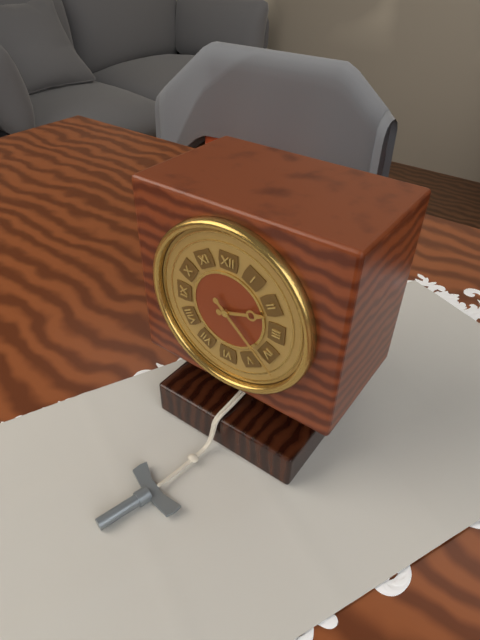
2h22
